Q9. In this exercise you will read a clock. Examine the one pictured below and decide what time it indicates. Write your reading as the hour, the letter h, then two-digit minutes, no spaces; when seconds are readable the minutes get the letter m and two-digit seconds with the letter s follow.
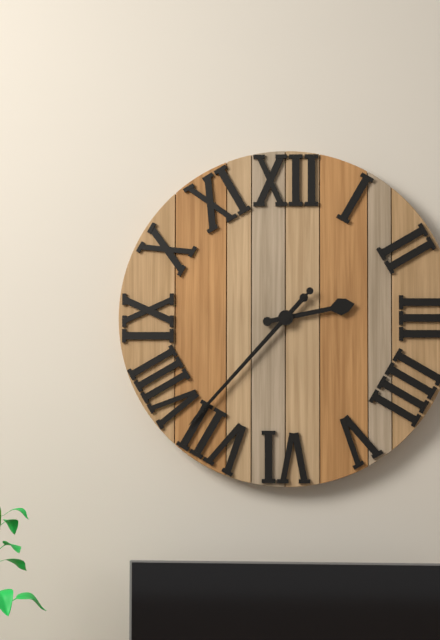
2h37m37s
